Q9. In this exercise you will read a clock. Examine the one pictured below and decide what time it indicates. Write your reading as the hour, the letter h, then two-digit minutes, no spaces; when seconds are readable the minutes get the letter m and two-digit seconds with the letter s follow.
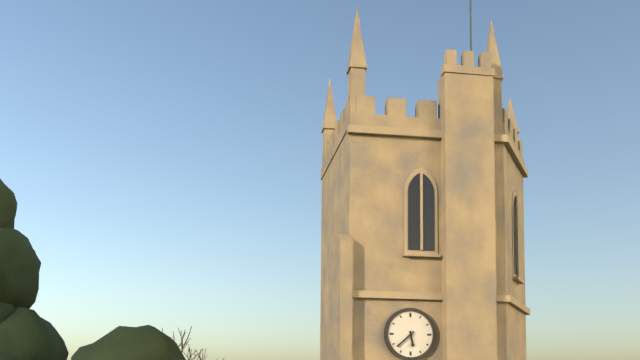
5h38
